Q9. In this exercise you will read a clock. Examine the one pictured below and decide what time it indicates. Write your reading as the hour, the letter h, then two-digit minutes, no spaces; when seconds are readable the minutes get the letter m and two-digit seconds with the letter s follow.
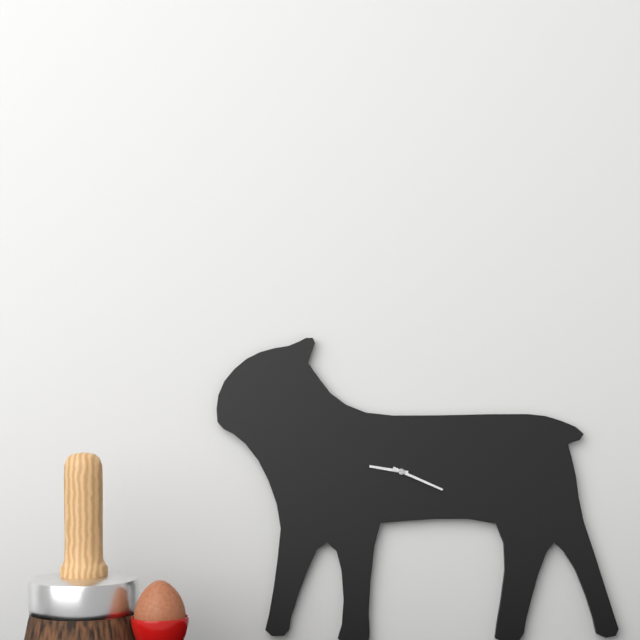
9h19
